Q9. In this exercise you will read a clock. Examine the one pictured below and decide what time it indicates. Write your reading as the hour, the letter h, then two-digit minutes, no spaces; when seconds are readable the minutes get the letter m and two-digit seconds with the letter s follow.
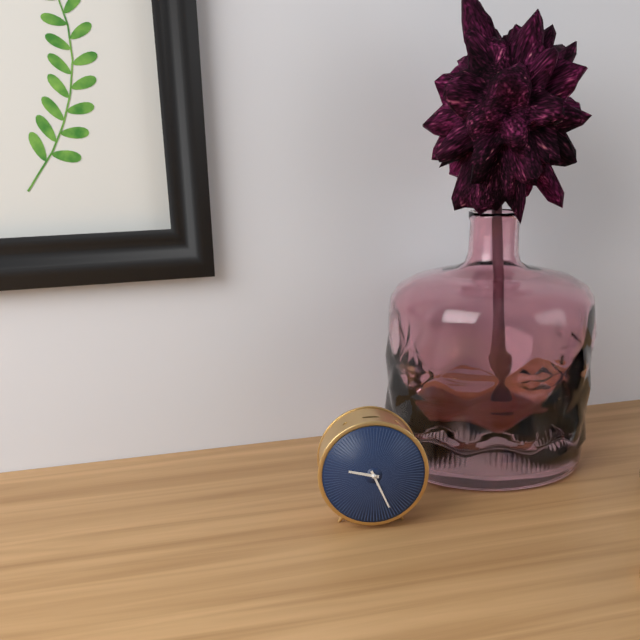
9h26
